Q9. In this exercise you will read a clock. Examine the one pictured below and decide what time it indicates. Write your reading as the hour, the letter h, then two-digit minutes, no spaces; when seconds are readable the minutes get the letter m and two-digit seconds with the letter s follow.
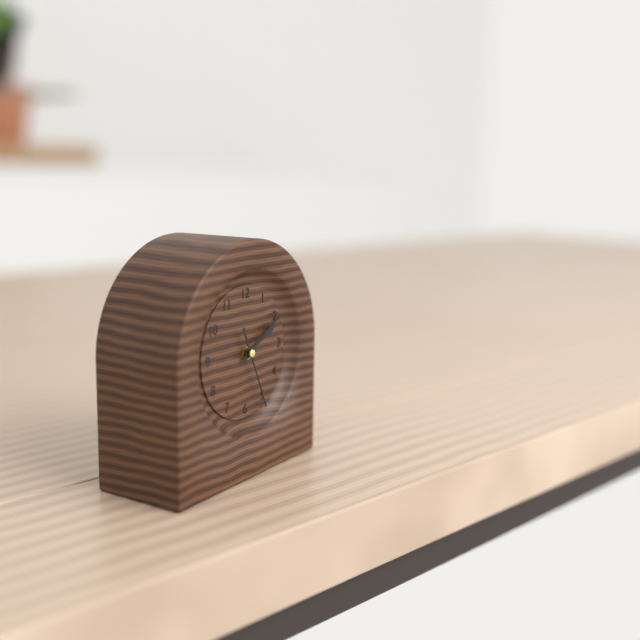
2h10m26s
